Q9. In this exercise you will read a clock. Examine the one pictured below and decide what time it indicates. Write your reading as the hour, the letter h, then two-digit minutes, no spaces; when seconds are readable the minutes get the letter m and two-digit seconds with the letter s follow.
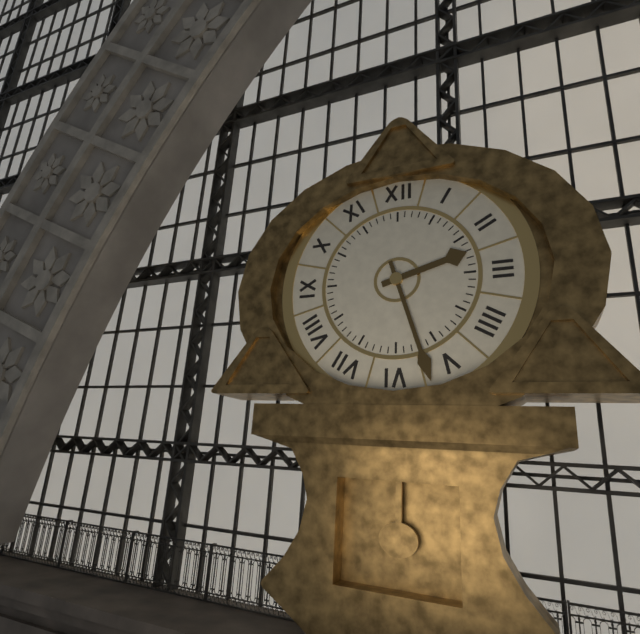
2h27
